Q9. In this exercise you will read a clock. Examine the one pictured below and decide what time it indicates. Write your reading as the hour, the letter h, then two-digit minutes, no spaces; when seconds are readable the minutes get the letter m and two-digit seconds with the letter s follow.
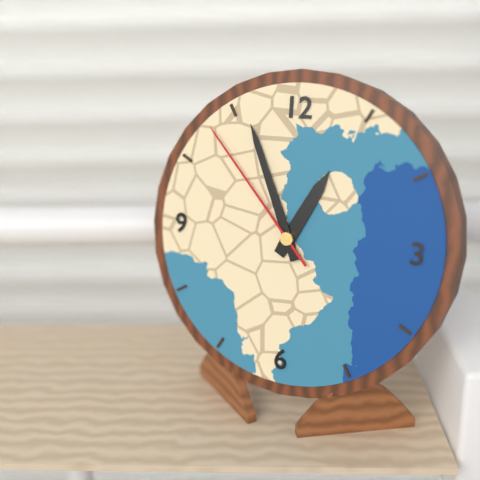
12h56m53s
